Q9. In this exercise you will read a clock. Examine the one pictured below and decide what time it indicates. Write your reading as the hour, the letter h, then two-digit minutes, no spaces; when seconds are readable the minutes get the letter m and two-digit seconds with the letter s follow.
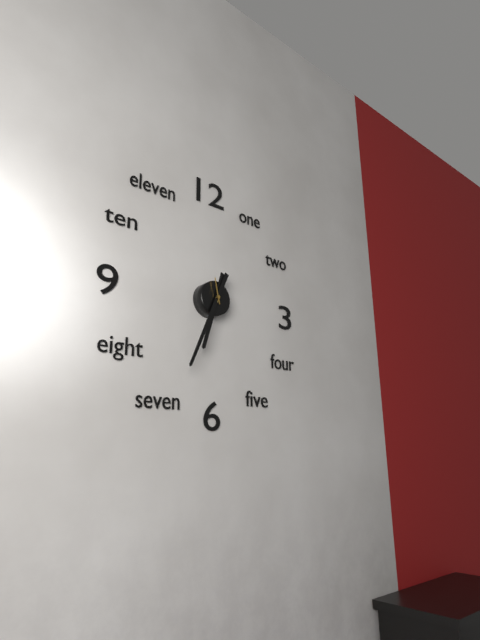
6h34
